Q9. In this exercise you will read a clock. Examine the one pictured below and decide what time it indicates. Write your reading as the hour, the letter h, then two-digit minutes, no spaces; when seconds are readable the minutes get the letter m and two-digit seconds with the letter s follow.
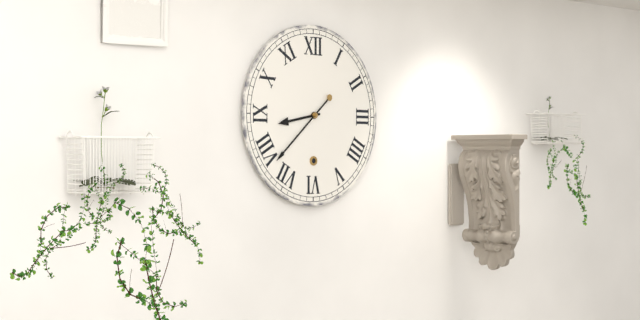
8h38
